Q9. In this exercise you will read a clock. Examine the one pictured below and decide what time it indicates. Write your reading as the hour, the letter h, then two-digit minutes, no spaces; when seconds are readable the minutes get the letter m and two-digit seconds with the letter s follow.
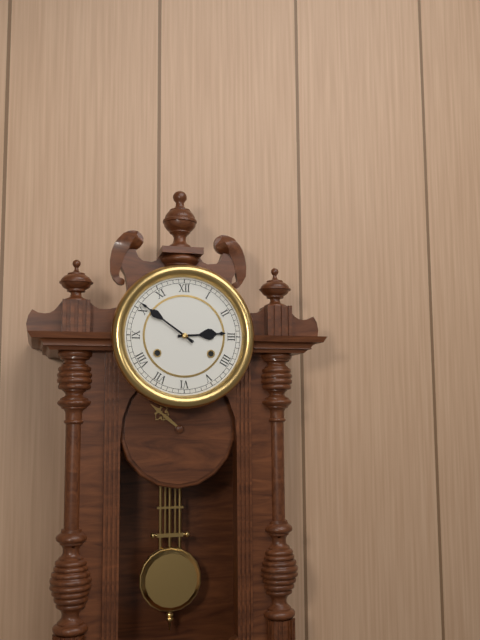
2h51
